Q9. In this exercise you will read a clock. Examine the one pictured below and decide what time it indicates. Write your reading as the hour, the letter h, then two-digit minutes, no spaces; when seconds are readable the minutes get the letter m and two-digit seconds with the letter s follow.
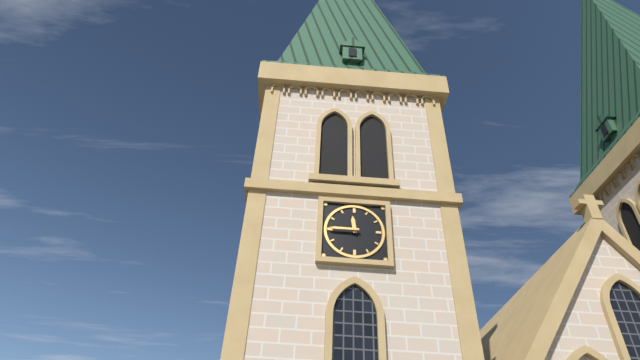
11h45
